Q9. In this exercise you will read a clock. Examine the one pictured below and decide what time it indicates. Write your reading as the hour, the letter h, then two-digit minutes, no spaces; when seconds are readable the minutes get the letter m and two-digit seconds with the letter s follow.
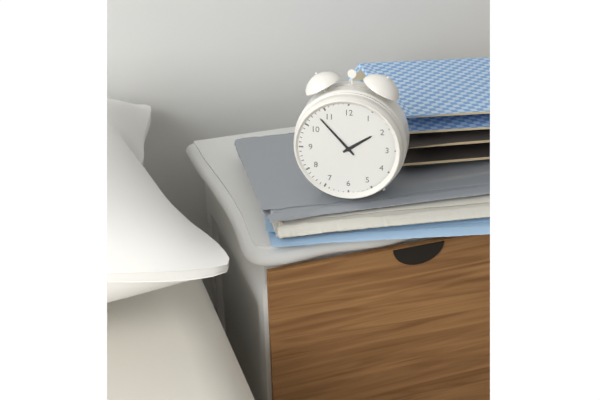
1h53
